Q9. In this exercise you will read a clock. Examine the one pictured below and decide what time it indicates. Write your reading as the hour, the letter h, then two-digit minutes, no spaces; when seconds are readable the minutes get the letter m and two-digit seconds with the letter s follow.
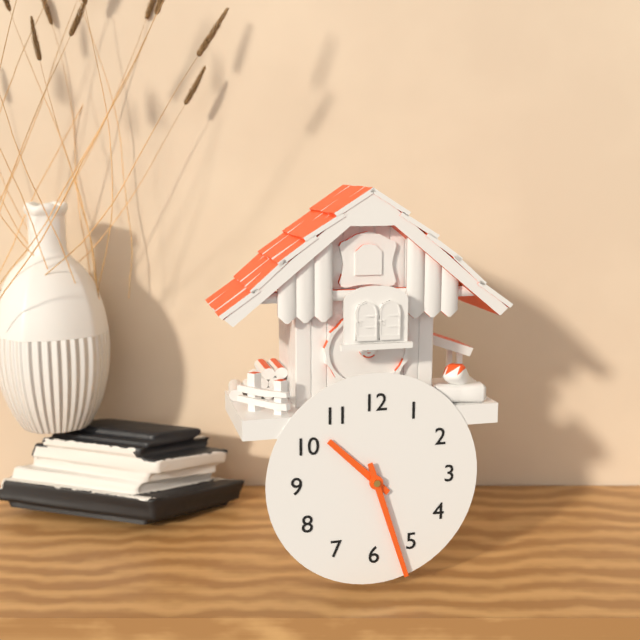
10h27
